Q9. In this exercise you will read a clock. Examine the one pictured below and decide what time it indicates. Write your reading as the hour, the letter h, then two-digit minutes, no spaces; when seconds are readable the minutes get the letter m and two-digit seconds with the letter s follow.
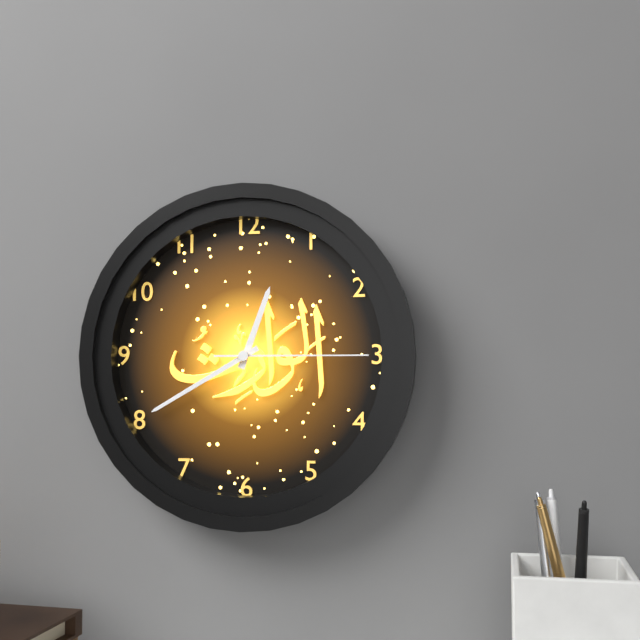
12h40m15s
